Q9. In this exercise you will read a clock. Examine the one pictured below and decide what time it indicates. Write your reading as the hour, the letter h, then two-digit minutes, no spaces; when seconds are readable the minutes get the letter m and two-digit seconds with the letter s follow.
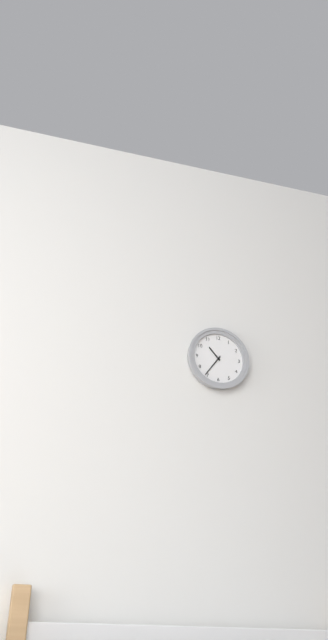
10h36
